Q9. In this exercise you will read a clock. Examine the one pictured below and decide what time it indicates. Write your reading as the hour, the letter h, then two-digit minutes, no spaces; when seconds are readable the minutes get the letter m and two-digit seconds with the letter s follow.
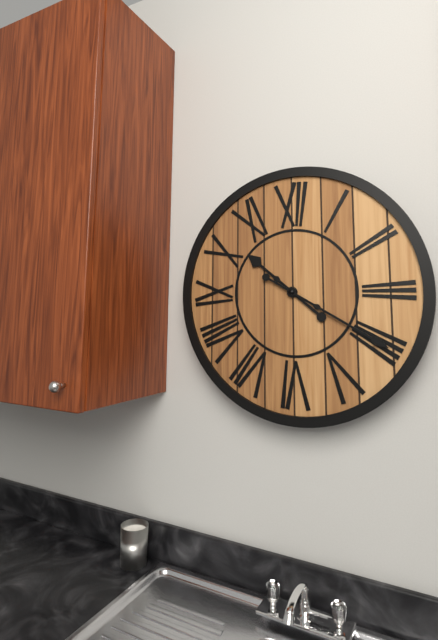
10h20
